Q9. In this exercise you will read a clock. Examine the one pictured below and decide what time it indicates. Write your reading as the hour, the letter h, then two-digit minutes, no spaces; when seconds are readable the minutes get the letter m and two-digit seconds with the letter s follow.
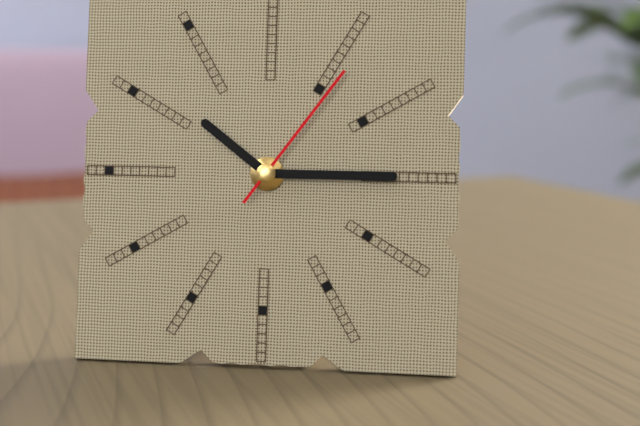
10h15m06s
